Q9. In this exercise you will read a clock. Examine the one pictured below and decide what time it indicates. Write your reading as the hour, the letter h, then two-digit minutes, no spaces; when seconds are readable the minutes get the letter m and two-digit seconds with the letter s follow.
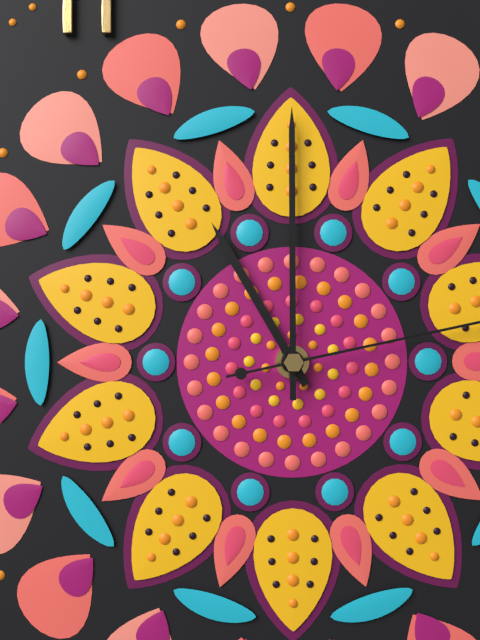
11h00
